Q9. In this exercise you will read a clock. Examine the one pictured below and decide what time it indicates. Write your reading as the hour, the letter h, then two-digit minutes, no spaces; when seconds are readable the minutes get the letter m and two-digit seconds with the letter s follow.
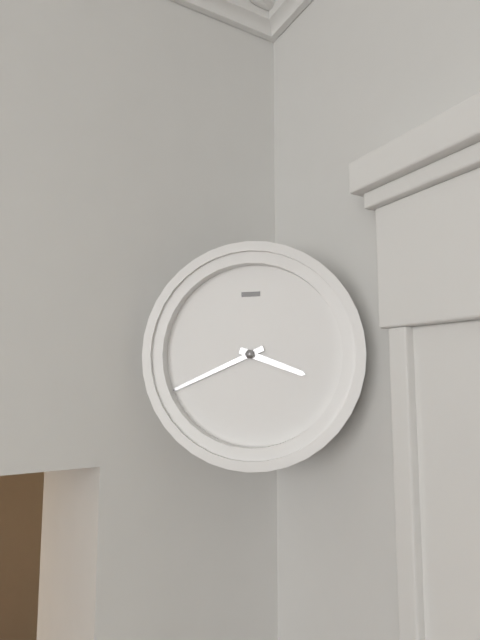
3h41
